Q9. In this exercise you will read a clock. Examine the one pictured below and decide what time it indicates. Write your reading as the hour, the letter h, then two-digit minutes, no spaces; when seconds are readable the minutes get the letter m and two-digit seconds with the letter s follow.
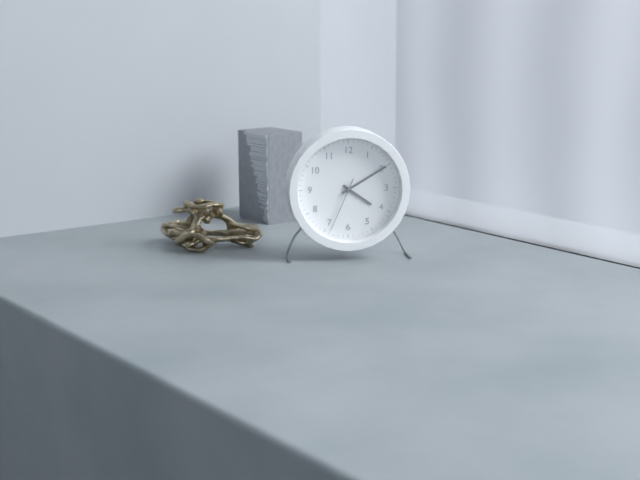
4h10m34s
